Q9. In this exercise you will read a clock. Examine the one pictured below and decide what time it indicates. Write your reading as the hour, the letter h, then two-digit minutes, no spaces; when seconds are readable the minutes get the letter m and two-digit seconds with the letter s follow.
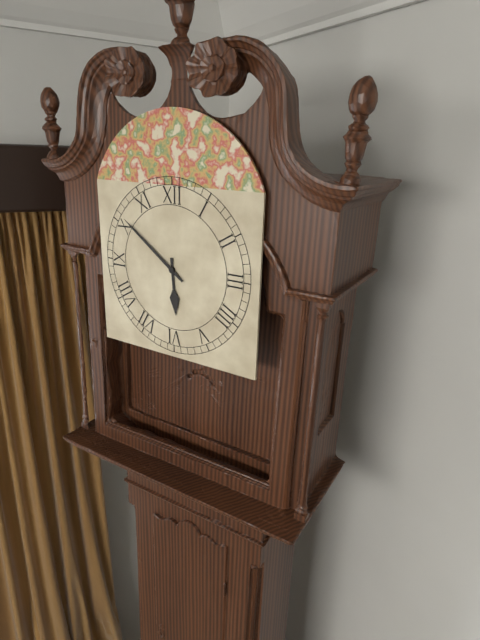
5h51
